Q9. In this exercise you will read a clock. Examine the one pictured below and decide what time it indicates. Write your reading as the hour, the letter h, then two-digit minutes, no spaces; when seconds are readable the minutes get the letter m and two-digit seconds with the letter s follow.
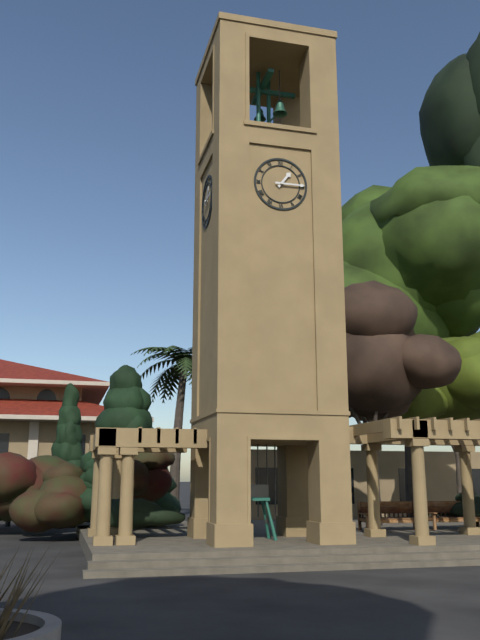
1h15
